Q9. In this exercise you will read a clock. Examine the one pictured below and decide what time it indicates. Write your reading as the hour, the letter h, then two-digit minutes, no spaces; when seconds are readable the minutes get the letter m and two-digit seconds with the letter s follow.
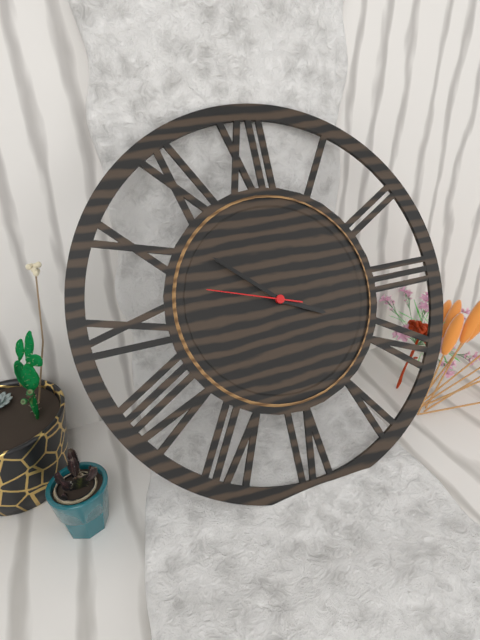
3h52m48s
